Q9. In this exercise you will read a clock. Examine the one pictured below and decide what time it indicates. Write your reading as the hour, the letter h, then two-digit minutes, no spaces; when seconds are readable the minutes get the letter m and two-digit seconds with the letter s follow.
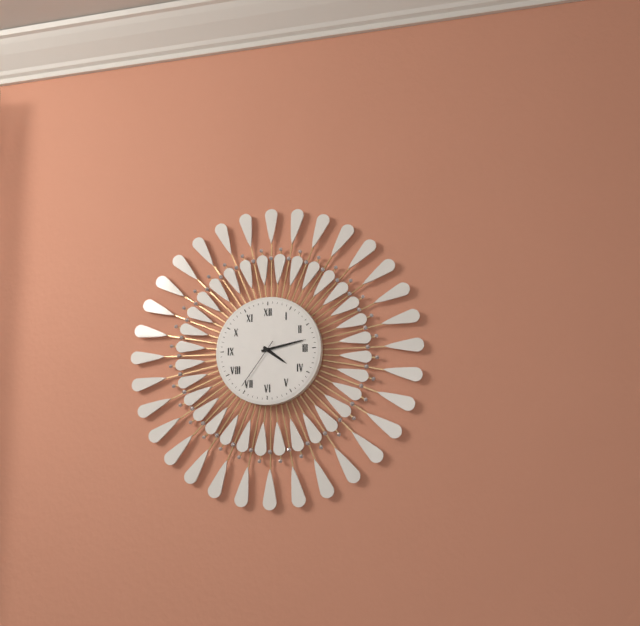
4h13m36s
